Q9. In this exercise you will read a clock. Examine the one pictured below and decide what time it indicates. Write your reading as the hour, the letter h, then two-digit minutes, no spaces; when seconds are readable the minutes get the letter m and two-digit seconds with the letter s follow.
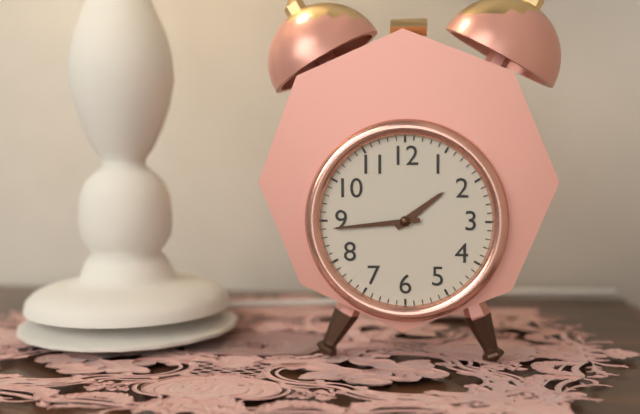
1h44
